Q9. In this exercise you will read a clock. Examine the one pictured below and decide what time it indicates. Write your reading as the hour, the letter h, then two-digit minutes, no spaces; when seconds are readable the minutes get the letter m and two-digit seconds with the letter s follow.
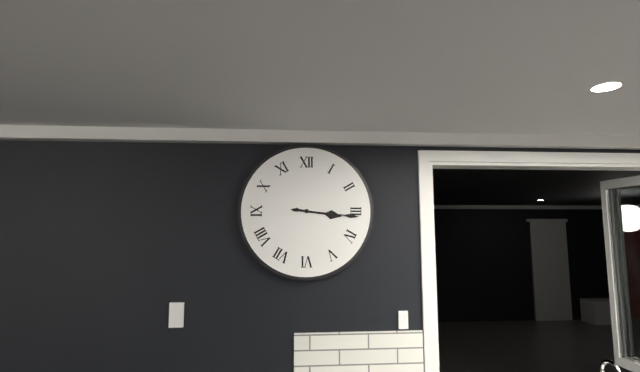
3h16
